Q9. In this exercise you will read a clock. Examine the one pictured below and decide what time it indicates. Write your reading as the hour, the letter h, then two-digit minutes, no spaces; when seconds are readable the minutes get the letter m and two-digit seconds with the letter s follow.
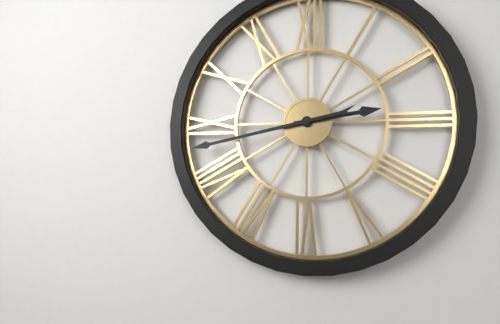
2h43
